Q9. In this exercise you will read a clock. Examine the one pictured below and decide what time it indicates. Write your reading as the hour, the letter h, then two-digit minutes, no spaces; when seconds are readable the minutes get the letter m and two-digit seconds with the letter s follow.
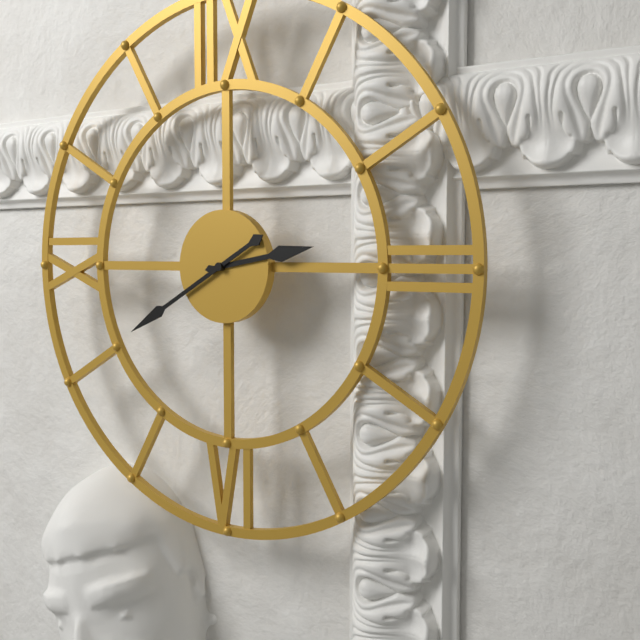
2h40
